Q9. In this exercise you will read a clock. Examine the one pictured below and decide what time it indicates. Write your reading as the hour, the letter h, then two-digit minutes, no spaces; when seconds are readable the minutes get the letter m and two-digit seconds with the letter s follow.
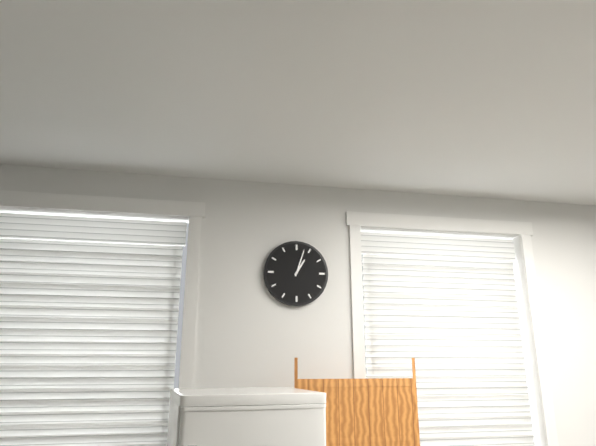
1h03
